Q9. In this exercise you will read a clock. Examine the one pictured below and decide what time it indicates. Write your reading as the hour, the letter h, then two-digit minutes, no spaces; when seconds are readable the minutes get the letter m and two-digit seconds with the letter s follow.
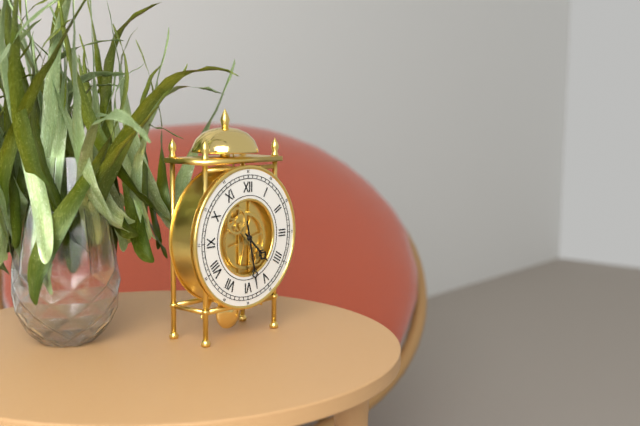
4h28
